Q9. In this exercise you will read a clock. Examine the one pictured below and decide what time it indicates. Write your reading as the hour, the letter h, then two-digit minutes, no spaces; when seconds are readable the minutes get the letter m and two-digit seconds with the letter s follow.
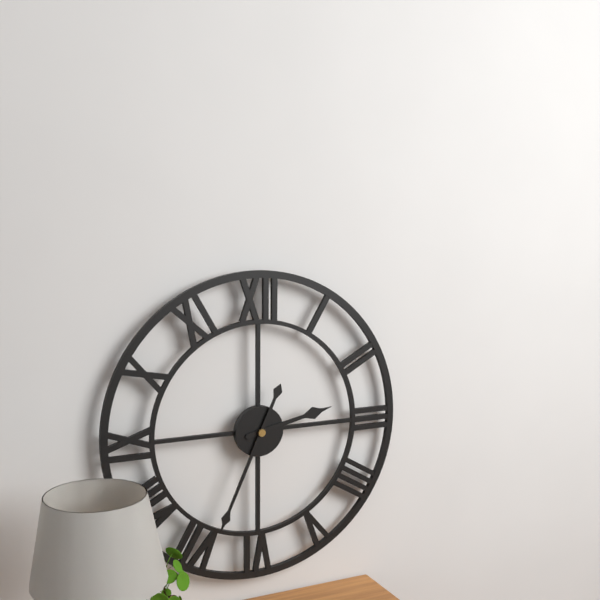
2h34
